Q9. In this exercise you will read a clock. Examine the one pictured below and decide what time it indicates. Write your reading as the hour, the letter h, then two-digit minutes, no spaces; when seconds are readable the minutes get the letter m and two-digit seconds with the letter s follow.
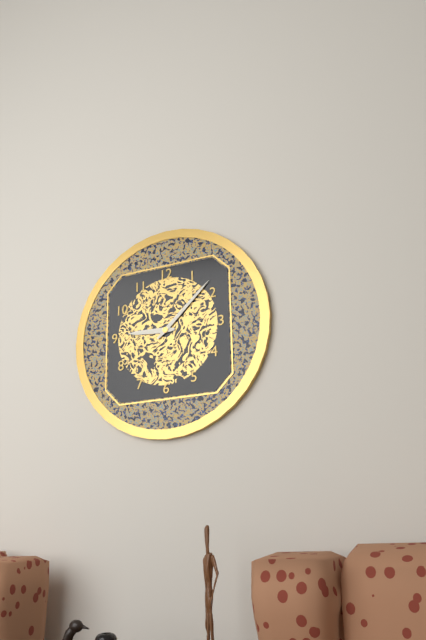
9h08
